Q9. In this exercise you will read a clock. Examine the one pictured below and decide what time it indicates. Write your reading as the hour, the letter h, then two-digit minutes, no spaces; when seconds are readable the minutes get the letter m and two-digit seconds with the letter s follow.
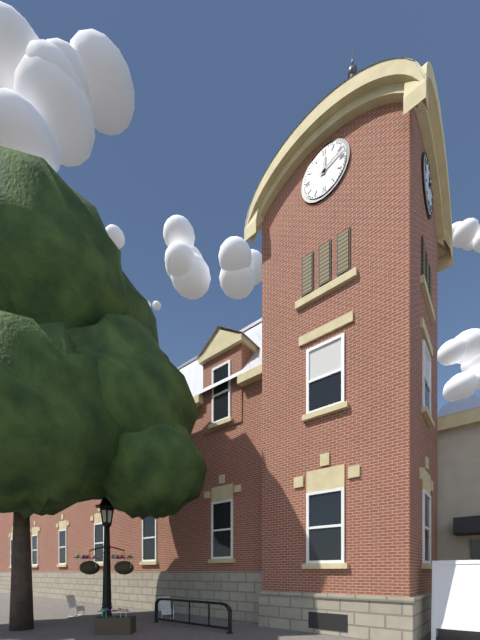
12h12
